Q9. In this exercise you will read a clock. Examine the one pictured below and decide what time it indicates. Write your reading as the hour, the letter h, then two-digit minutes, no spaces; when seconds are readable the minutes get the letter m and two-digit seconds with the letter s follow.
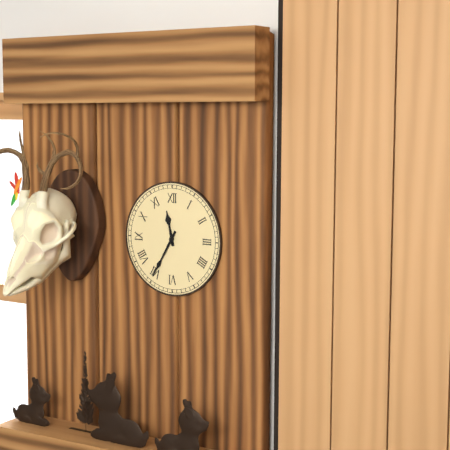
11h35
